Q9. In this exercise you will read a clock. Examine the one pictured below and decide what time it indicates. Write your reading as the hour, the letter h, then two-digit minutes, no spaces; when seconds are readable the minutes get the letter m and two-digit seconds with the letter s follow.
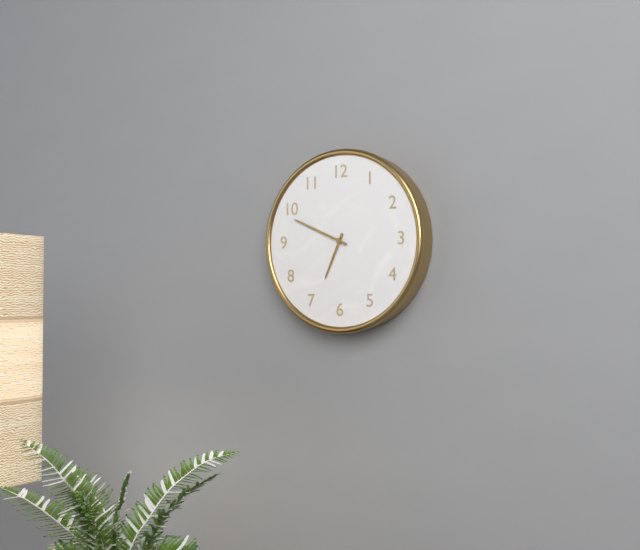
6h49
